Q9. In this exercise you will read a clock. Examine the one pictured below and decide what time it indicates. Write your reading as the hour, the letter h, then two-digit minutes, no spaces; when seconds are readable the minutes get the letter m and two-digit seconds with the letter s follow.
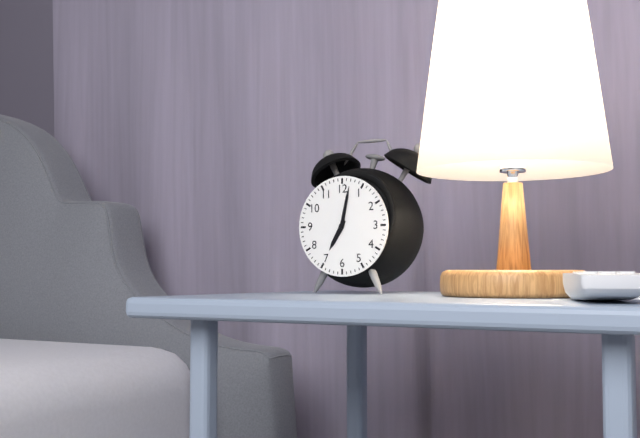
7h02
